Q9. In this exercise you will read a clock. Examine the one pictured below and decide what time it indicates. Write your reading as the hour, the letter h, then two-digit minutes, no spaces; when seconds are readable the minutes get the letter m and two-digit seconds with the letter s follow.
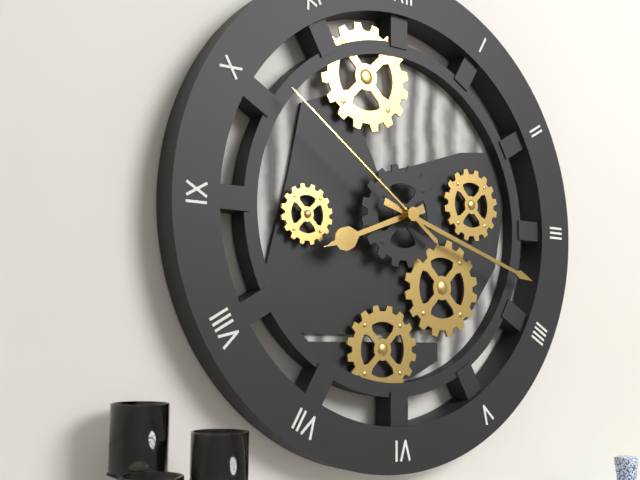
8h18m51s
